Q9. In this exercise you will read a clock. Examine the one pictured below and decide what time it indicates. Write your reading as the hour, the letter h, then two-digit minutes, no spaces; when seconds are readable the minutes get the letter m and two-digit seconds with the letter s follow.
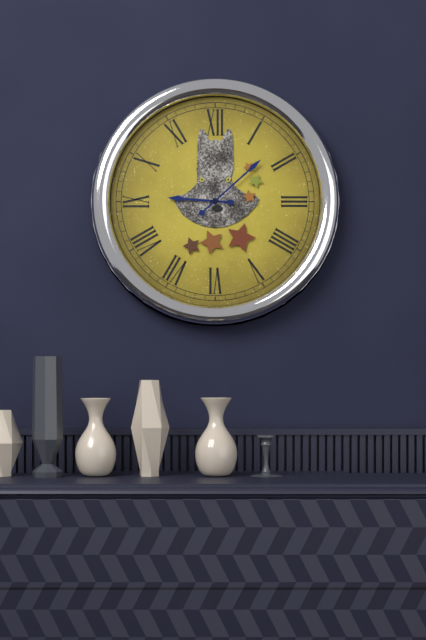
9h08
